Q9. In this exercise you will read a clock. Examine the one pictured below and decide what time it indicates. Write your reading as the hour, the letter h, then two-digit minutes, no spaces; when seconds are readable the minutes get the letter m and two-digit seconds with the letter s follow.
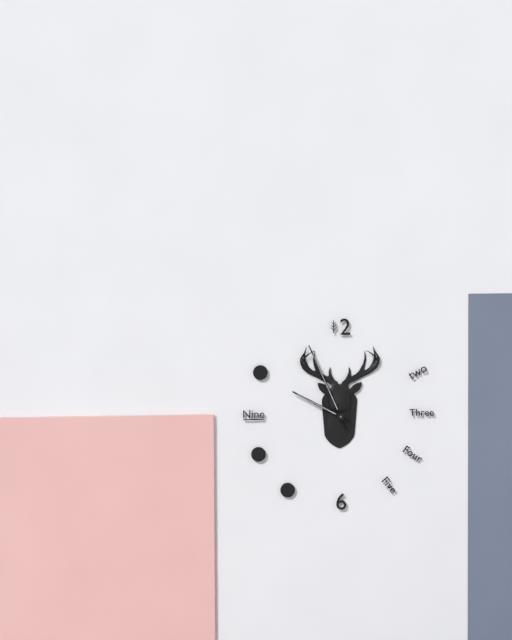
9h56
